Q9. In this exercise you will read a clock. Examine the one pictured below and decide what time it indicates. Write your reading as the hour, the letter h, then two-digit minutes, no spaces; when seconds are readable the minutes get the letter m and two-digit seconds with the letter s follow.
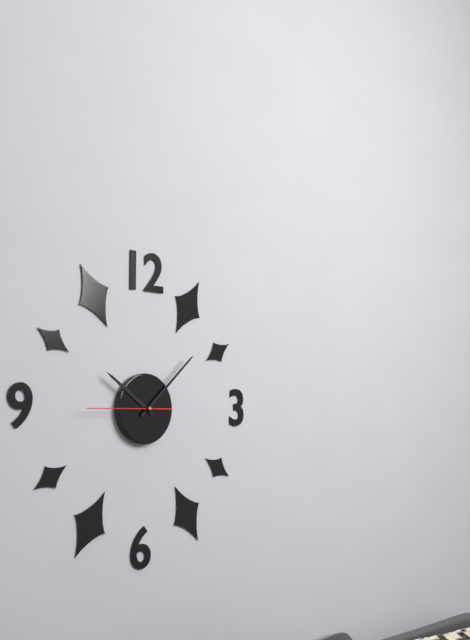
10h08m45s
